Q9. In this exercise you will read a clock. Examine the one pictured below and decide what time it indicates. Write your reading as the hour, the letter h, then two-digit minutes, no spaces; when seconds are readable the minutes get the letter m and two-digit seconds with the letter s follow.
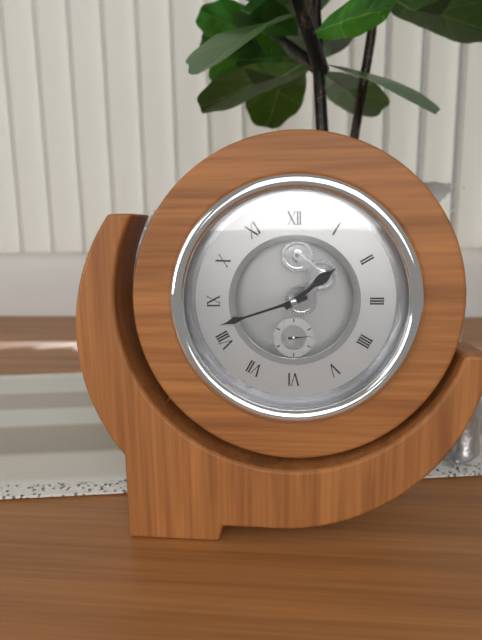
1h42
